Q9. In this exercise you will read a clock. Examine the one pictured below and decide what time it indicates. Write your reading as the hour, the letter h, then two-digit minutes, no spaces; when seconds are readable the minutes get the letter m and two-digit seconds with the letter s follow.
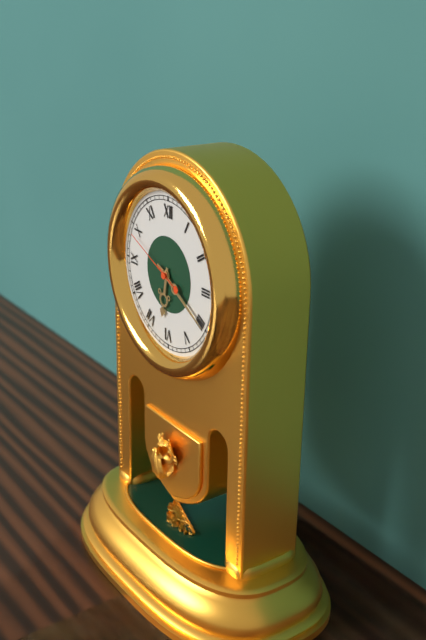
6h20m49s
